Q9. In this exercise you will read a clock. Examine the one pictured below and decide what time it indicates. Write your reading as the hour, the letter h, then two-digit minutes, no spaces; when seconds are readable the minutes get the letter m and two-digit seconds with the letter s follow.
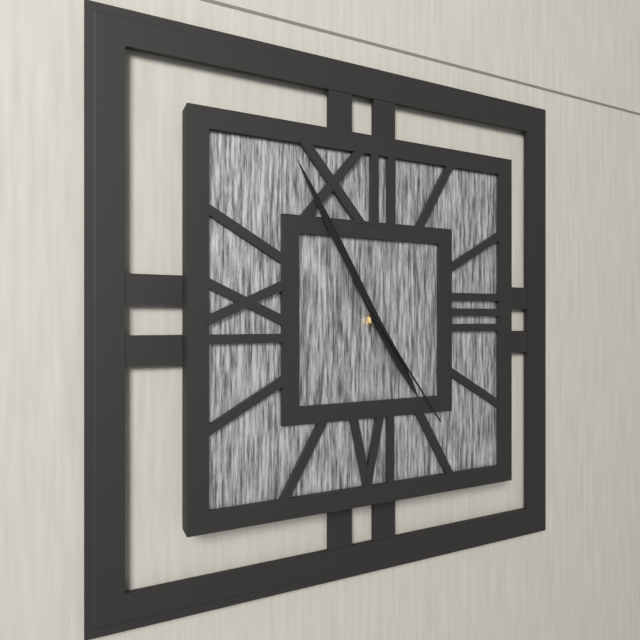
4h55m24s
